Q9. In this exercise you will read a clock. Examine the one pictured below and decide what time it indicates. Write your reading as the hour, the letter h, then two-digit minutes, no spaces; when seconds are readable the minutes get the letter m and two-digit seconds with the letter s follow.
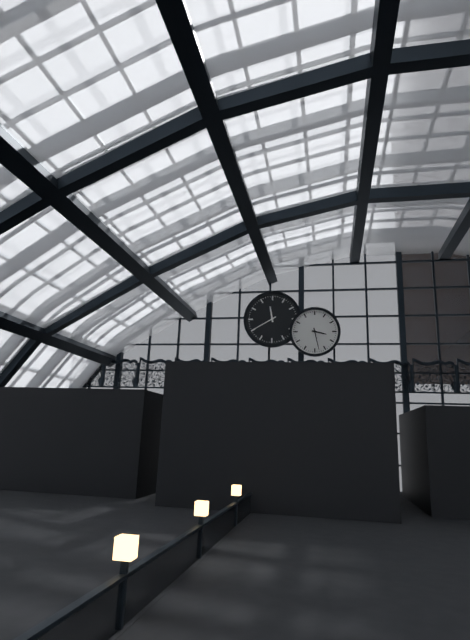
3h28
